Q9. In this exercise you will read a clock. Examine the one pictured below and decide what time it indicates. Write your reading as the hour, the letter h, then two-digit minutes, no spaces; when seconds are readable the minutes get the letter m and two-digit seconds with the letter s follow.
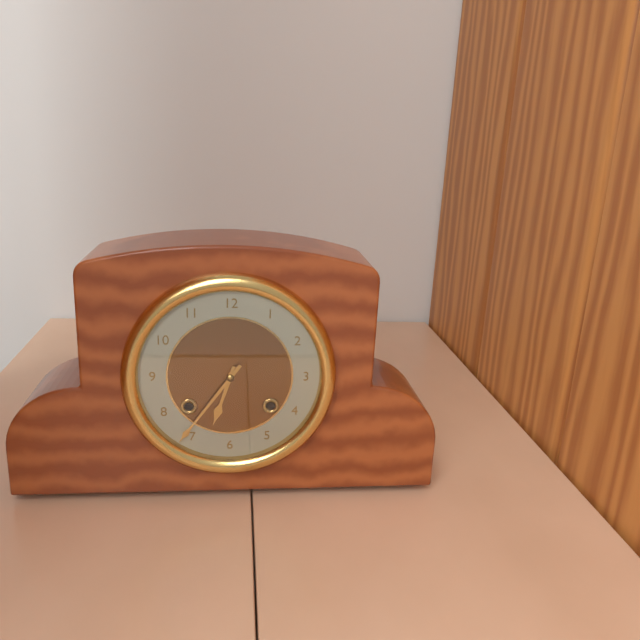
6h36
